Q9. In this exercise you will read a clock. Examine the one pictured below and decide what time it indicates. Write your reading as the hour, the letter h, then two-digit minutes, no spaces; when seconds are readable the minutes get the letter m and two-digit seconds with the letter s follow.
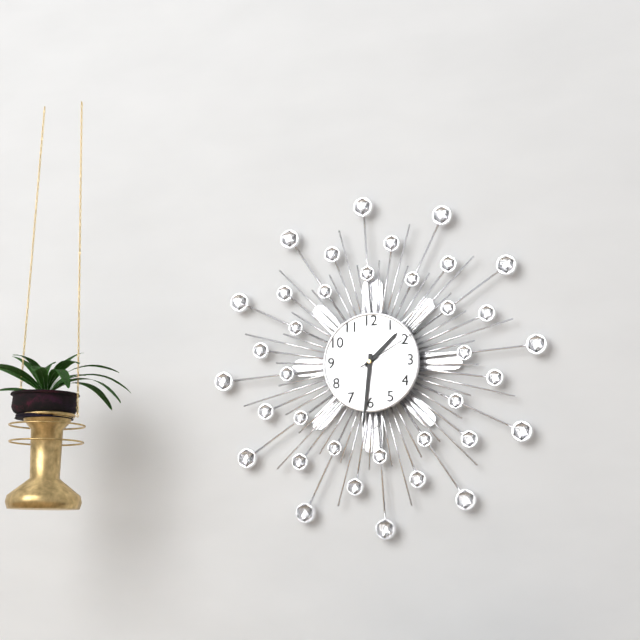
1h31m10s
